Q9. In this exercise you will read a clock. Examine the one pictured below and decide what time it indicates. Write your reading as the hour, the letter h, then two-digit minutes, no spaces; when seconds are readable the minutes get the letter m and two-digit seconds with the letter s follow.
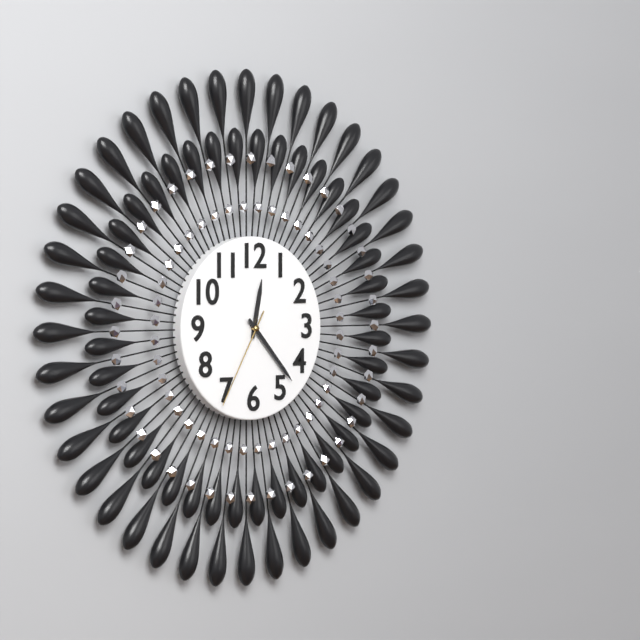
12h23m35s
